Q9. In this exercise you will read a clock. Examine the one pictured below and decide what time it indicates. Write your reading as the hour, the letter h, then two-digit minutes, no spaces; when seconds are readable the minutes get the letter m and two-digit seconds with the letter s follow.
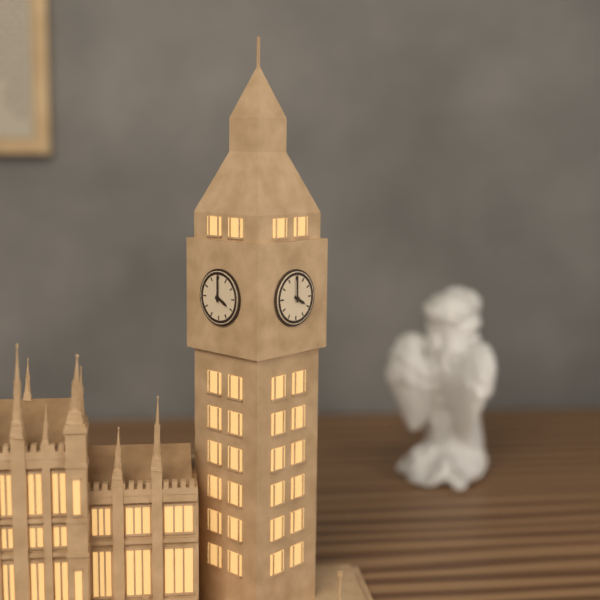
4h00
